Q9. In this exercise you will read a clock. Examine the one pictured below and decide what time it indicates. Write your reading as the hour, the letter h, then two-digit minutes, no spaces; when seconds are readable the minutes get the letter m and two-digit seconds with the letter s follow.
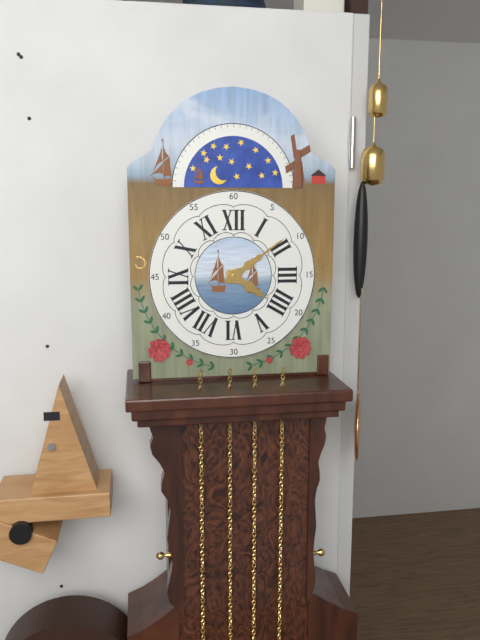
4h09
